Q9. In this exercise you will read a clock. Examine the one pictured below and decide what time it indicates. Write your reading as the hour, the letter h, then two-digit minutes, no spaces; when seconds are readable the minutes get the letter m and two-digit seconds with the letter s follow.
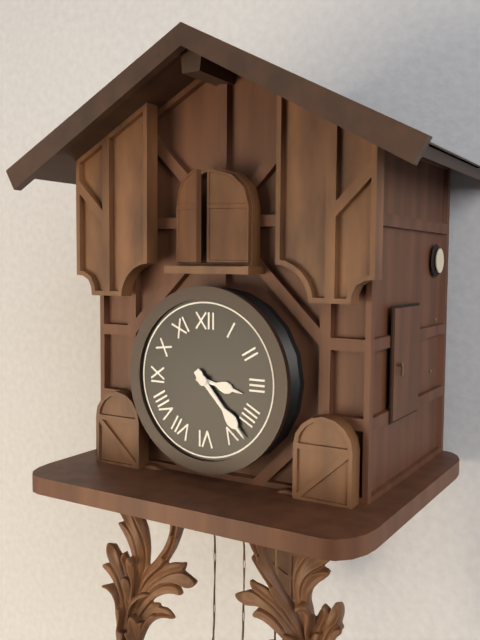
3h23
